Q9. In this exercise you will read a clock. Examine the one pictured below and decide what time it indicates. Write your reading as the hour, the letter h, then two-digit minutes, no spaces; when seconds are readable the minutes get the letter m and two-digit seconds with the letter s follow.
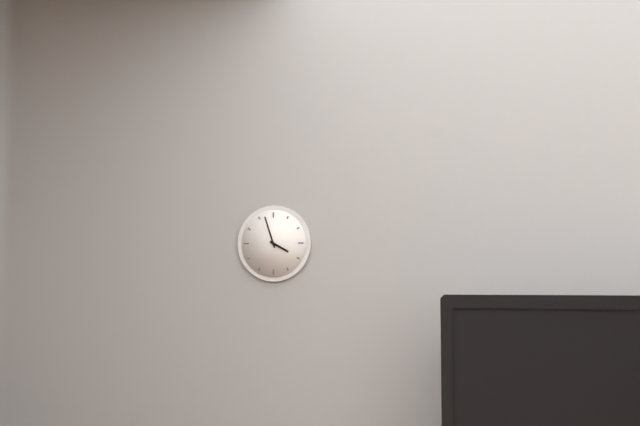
3h57
